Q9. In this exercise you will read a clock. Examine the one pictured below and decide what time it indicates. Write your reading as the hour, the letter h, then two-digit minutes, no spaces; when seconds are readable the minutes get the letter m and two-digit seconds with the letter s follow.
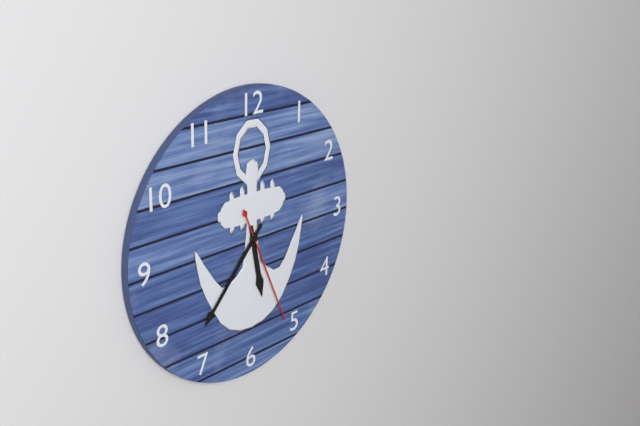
5h37m26s
